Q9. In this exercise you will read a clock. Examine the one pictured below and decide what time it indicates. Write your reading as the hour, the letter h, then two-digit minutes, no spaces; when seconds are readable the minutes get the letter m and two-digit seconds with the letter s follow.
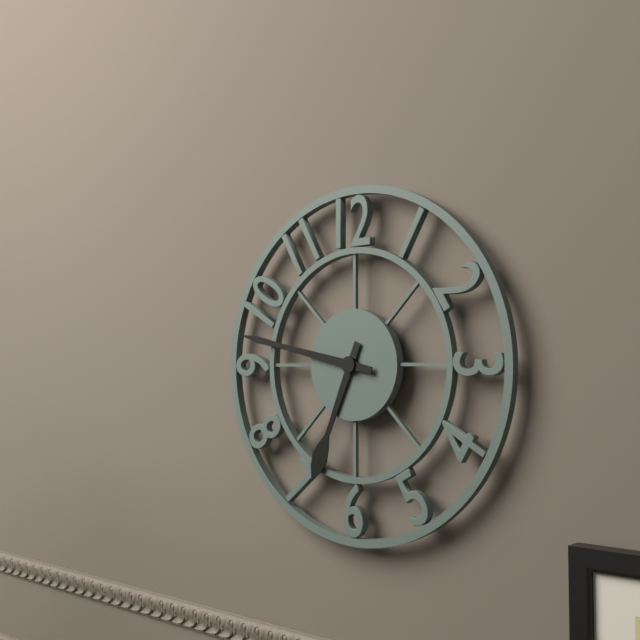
6h47
